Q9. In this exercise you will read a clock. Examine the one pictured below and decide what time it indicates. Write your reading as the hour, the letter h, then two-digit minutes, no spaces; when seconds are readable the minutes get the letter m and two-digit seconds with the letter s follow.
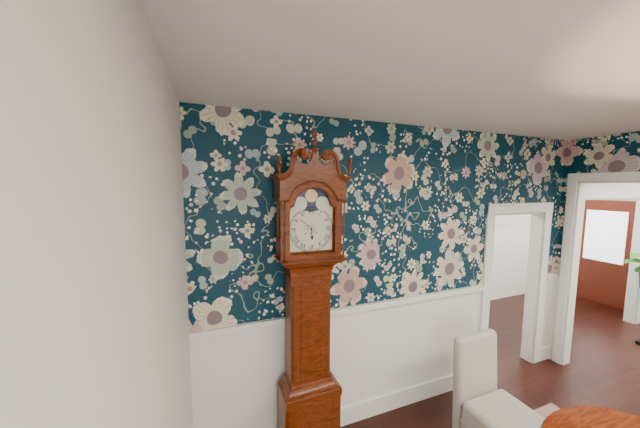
5h52
